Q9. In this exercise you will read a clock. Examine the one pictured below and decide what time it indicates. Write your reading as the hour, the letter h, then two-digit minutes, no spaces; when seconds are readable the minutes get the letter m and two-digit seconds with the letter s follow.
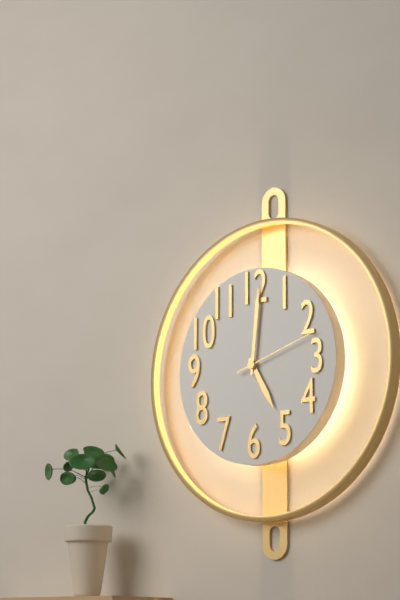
5h01m12s
